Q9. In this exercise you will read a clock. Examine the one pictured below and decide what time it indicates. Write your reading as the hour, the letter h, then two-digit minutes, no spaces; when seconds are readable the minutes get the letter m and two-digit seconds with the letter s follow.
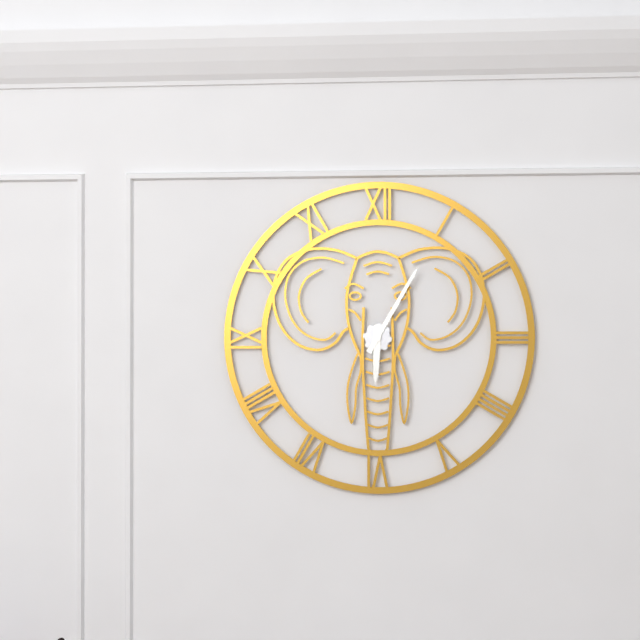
6h05
